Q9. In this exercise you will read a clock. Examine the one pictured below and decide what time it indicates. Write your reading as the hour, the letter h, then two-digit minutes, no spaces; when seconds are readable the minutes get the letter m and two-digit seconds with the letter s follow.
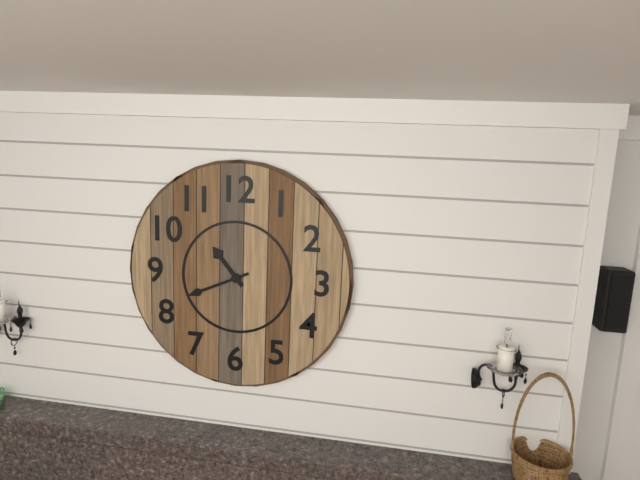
10h41
